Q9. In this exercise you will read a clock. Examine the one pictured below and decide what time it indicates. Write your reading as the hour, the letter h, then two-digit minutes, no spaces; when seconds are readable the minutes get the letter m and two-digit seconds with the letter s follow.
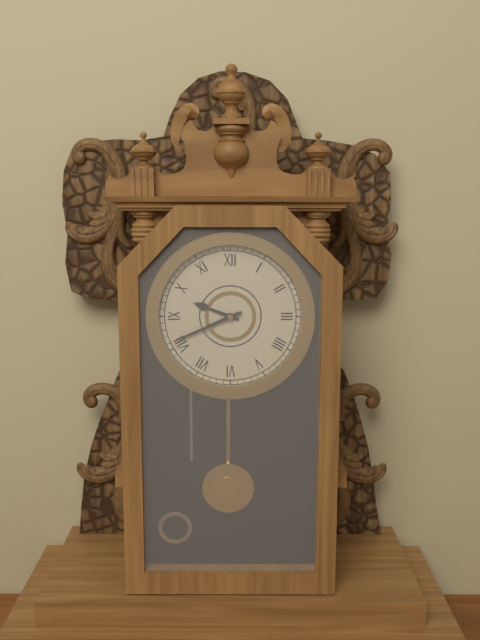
9h41
